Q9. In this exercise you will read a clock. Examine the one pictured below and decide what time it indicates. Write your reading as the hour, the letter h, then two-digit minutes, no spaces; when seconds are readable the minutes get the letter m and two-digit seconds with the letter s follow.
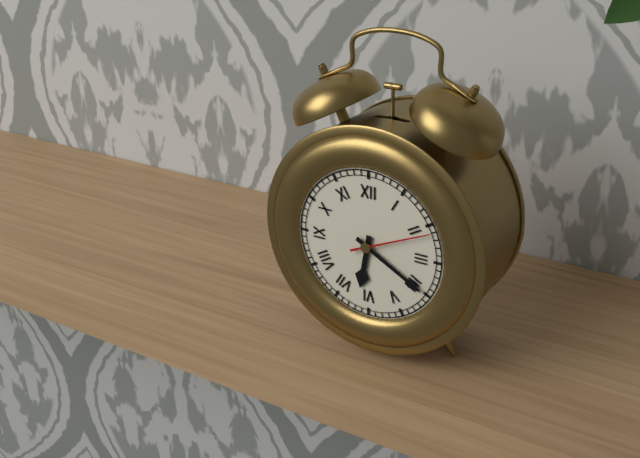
6h20m11s
